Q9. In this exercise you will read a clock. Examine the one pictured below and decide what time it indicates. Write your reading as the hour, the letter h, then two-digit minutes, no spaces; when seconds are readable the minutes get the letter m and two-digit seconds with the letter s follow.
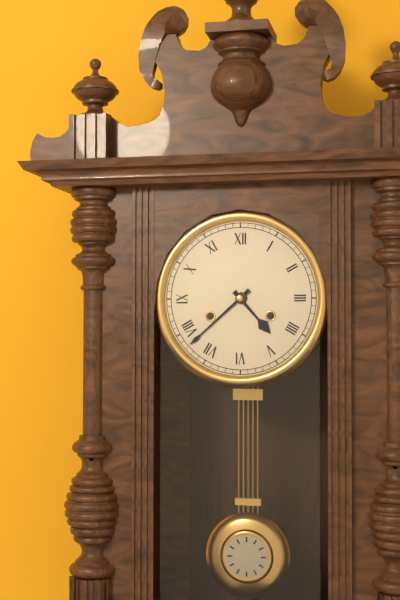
4h38
